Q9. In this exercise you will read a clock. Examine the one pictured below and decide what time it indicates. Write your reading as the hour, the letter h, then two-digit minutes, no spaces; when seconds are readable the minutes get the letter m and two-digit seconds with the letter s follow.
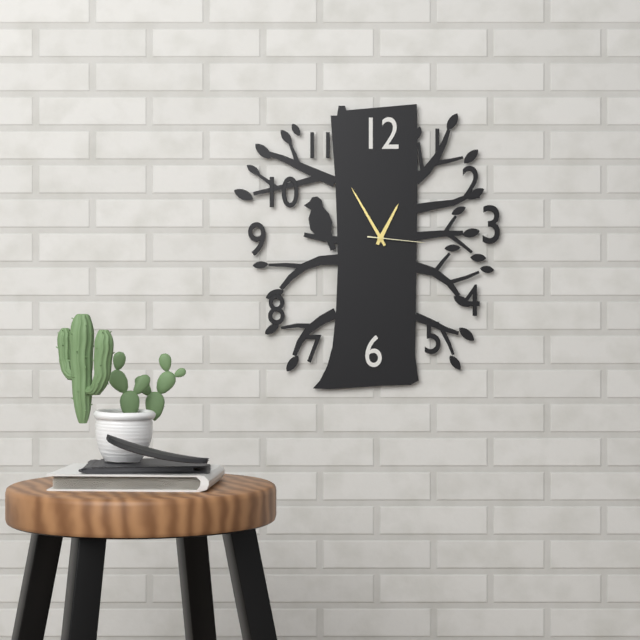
12h55m16s
